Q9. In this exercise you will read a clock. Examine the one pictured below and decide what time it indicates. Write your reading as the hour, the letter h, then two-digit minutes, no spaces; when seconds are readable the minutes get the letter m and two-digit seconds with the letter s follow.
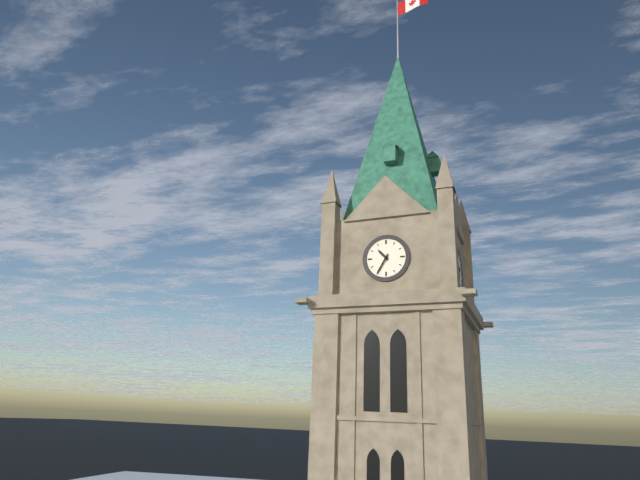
10h35
